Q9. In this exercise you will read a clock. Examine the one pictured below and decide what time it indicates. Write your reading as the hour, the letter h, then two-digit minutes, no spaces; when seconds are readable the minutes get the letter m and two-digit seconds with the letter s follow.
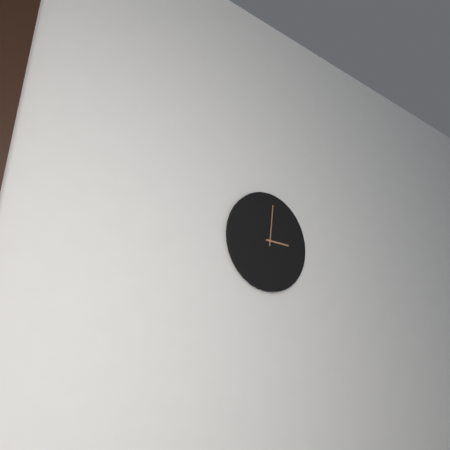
3h01
